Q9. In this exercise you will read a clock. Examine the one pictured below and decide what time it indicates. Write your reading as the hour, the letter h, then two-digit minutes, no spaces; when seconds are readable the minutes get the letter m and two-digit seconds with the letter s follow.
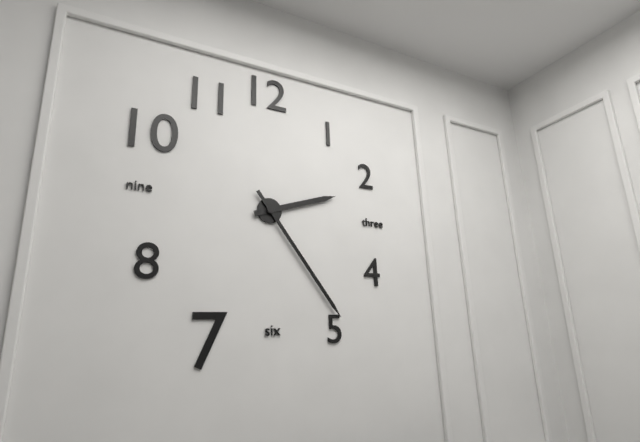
2h24
